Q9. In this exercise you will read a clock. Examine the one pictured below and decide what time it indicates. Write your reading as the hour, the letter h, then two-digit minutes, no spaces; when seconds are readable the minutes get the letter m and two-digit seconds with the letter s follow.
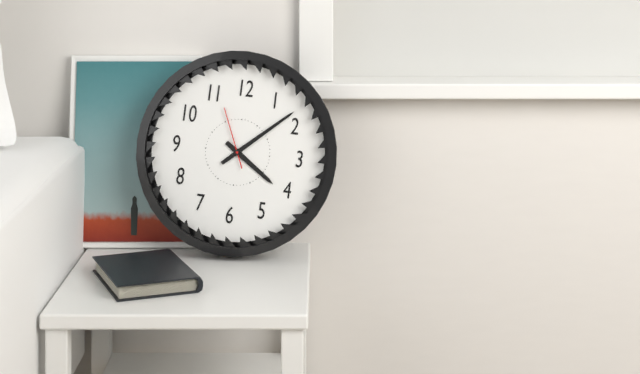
4h08m56s
